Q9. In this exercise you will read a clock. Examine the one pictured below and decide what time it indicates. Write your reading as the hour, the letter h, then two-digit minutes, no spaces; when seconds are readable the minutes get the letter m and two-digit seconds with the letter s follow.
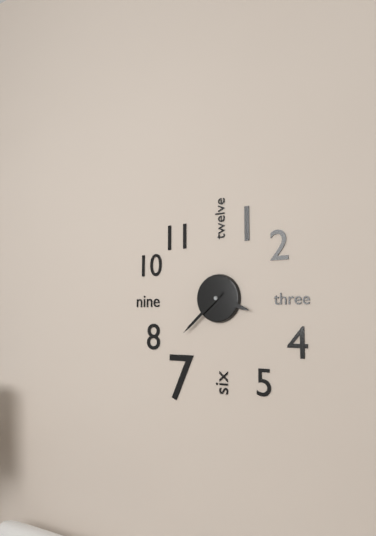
3h38
